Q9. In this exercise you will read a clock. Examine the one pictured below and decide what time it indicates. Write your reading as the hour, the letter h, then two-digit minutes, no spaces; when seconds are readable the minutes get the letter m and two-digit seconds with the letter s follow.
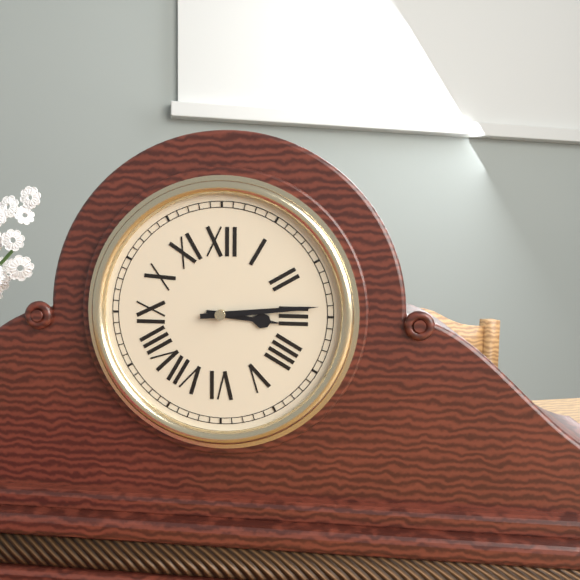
3h14
